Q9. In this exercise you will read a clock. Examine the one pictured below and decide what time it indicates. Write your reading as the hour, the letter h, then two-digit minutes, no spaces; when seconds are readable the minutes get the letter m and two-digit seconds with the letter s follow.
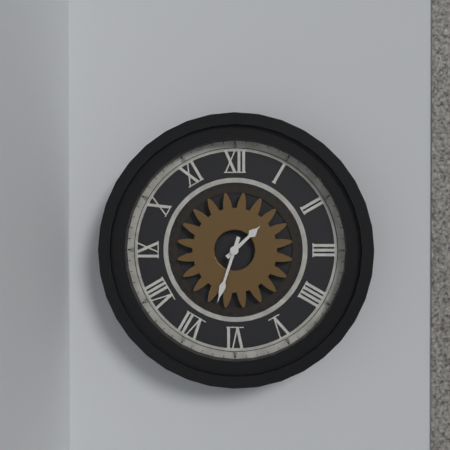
1h33
